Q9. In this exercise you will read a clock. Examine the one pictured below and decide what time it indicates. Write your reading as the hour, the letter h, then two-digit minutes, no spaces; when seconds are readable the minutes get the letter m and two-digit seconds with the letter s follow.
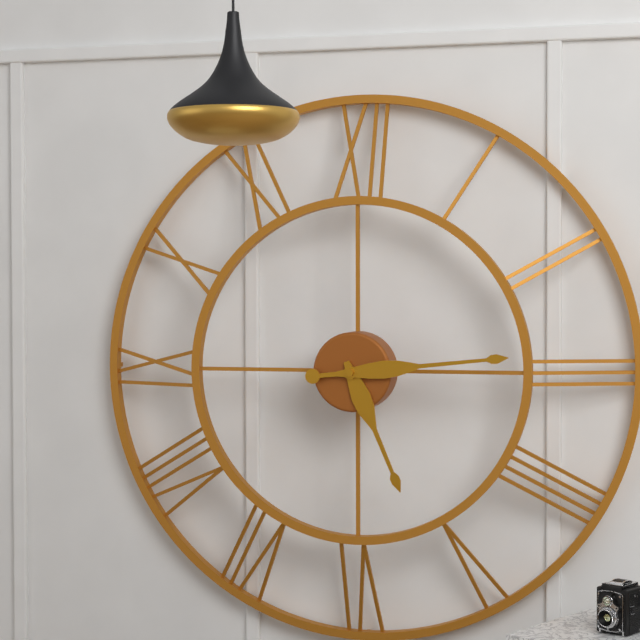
5h14
